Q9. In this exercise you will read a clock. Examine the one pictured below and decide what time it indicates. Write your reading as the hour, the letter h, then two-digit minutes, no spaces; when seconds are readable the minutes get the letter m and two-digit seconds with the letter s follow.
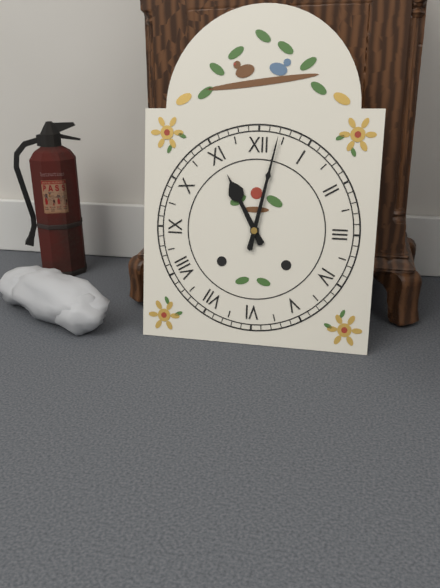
11h02
